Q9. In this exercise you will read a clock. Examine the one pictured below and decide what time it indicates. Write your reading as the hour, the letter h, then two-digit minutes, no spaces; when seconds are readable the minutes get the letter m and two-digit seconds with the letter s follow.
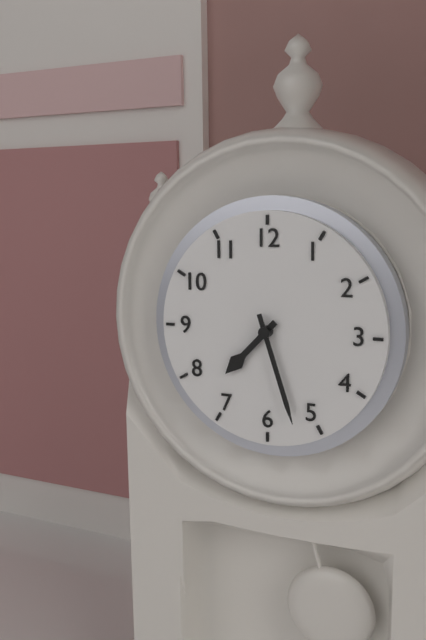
7h27
